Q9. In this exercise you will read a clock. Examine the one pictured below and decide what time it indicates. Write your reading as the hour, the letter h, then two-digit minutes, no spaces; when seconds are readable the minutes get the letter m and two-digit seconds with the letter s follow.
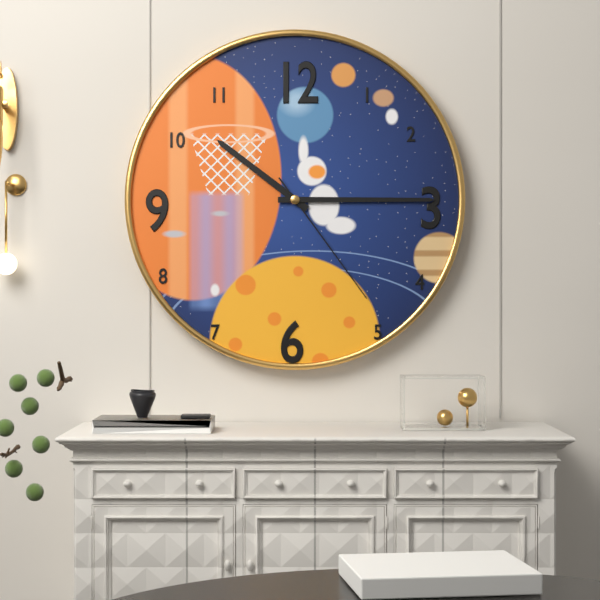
10h15m24s
